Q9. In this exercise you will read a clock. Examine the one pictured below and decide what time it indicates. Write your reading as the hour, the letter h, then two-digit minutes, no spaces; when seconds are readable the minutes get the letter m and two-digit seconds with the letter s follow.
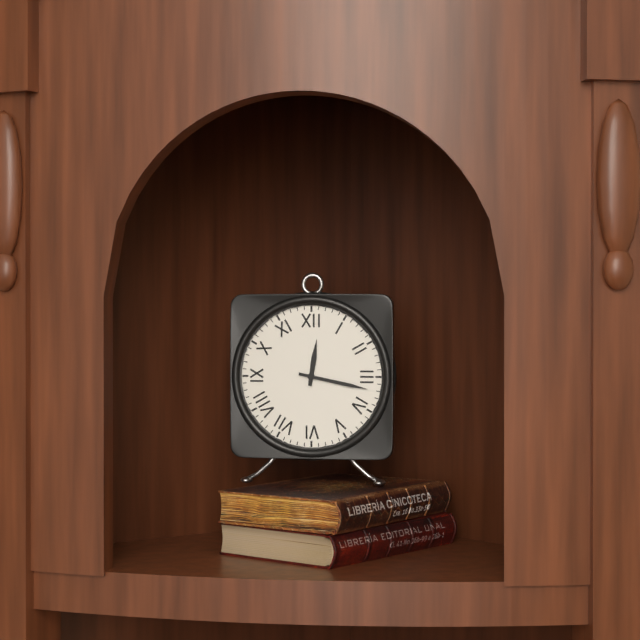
12h17
